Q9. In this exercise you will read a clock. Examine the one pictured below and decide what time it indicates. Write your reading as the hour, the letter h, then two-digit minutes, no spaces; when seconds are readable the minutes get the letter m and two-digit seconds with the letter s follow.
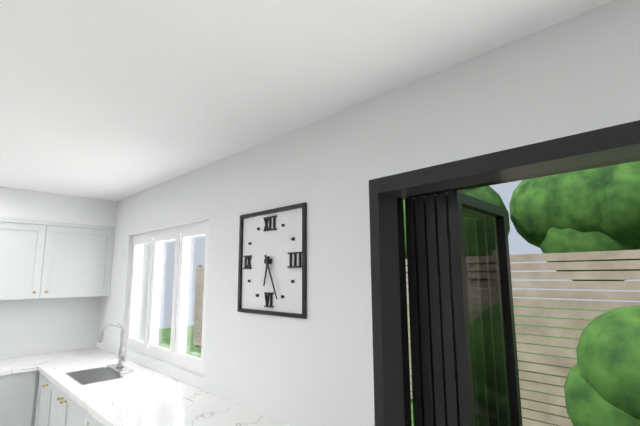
6h26
